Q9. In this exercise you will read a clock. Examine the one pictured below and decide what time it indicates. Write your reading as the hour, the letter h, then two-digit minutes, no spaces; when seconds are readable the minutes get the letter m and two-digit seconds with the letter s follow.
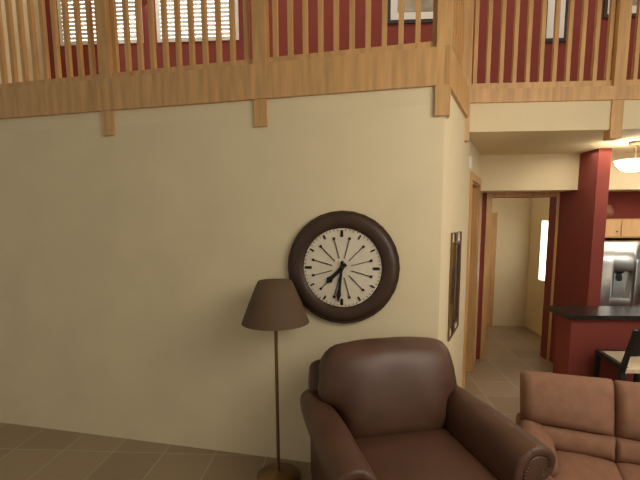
7h31
